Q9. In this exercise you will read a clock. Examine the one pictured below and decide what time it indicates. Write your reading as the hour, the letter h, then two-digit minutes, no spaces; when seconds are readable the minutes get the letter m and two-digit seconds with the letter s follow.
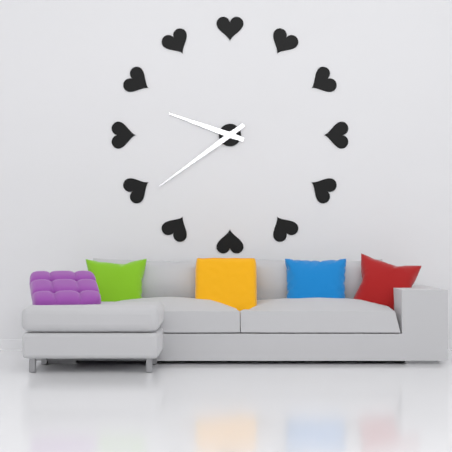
9h39
